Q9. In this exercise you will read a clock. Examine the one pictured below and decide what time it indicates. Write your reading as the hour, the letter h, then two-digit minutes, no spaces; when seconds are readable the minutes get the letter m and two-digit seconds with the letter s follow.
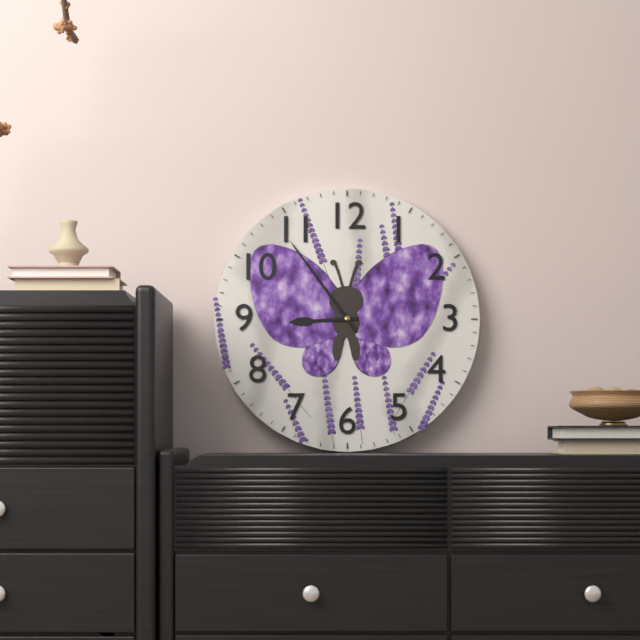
8h54
